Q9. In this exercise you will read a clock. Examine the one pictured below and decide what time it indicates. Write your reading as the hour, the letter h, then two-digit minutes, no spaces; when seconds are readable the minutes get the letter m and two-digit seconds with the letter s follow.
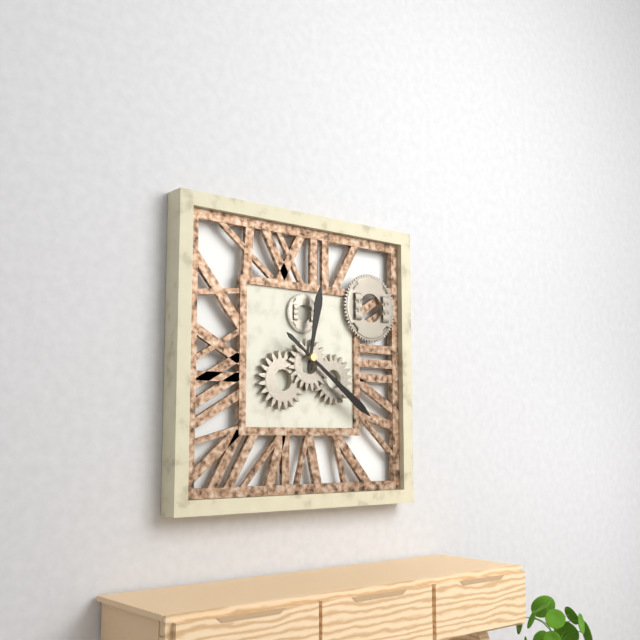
12h21
